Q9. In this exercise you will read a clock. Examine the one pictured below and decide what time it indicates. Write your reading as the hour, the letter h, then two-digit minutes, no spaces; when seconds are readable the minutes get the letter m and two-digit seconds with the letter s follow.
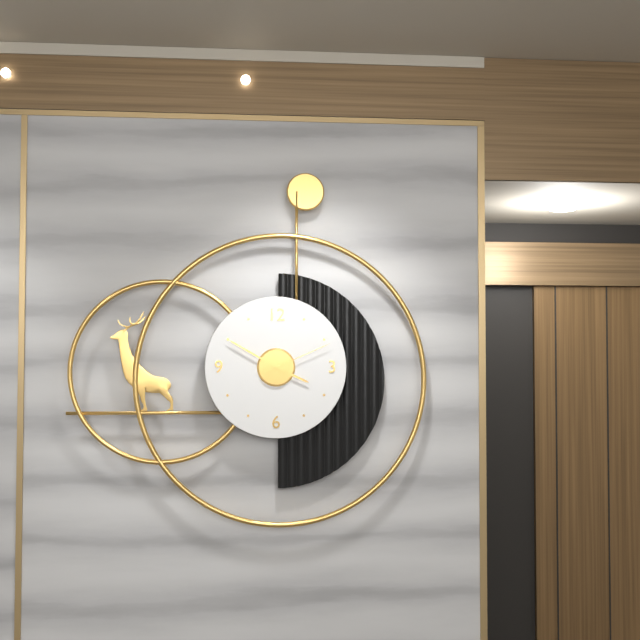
3h50m11s
